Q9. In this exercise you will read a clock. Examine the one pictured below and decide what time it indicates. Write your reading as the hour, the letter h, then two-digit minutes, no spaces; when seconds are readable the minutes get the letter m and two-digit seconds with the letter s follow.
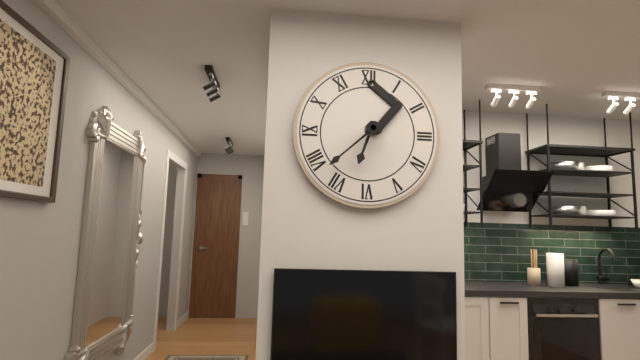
6h38
